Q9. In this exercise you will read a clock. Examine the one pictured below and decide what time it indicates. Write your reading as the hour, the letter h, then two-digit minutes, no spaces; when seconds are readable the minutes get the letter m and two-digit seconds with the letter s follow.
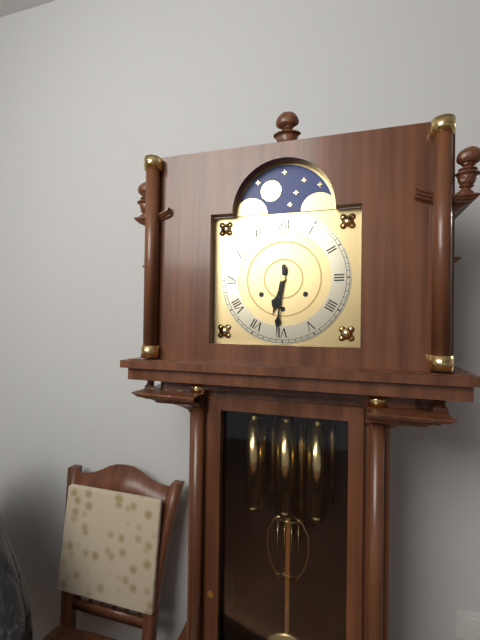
6h31
